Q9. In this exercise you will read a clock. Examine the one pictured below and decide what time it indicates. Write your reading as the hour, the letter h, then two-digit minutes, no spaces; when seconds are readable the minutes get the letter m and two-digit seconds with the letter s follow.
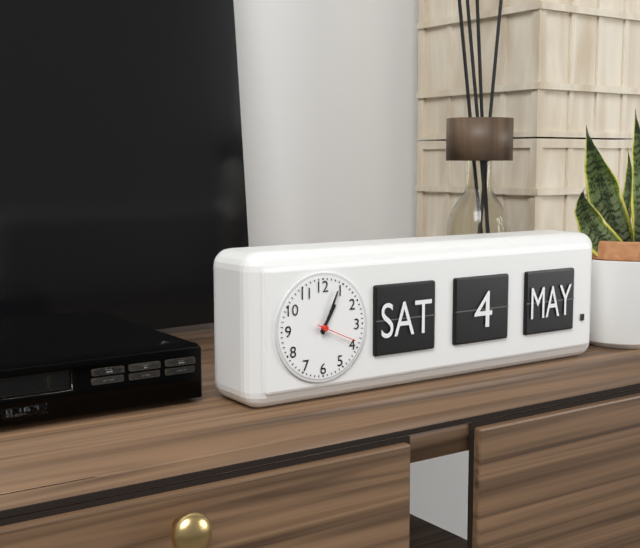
1h04
